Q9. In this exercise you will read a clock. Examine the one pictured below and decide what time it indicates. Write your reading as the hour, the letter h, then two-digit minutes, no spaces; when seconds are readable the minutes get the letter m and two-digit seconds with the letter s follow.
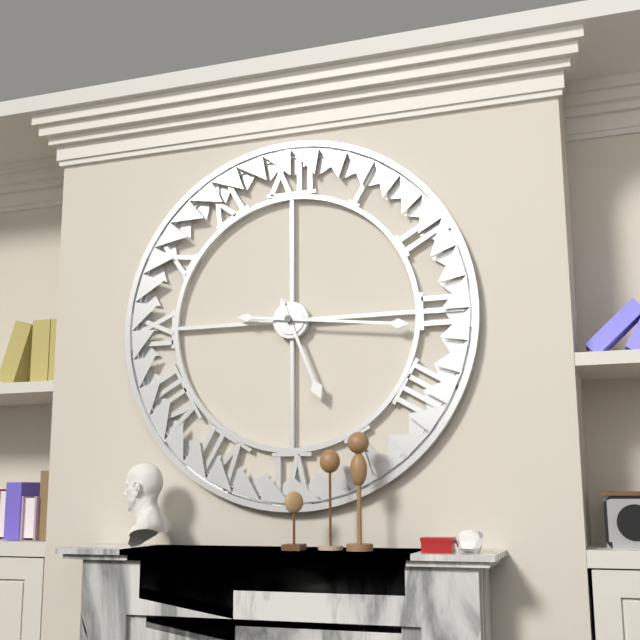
5h16
